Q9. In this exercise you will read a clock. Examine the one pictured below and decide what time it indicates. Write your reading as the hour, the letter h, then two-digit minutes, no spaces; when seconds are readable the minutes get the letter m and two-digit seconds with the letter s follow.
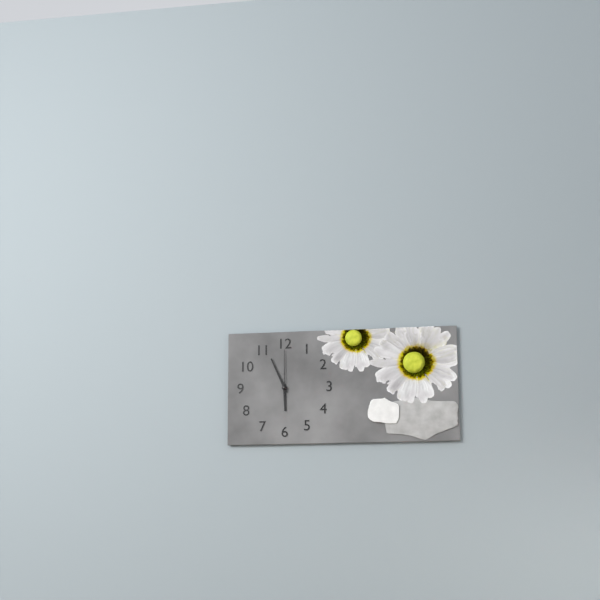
5h56
